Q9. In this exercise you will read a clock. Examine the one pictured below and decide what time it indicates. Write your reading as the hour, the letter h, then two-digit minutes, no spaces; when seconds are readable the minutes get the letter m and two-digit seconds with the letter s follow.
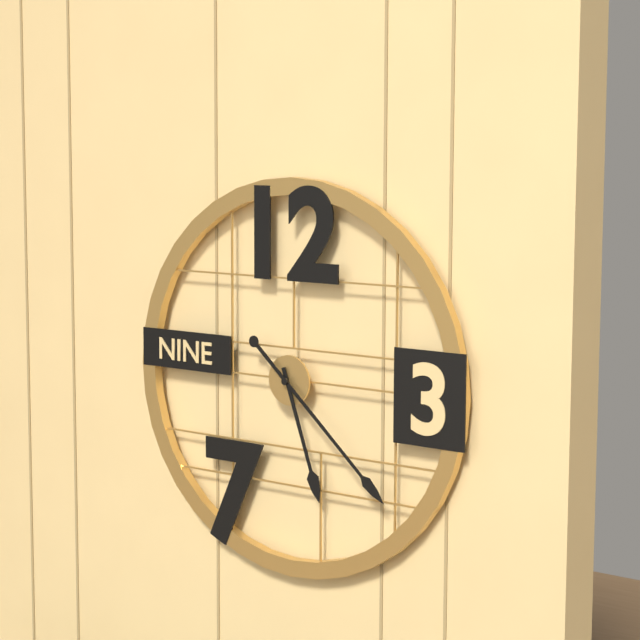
5h22
